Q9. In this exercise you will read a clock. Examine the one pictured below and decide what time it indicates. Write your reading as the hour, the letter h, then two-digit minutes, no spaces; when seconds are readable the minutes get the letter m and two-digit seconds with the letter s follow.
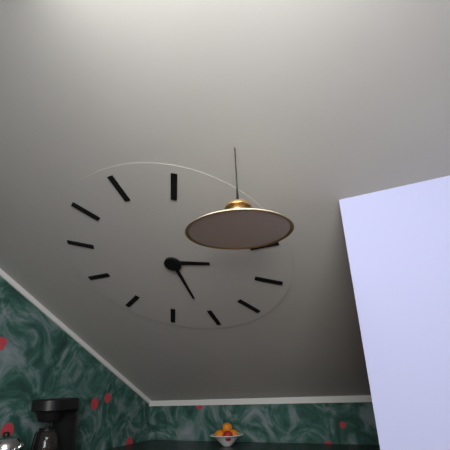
3h31
